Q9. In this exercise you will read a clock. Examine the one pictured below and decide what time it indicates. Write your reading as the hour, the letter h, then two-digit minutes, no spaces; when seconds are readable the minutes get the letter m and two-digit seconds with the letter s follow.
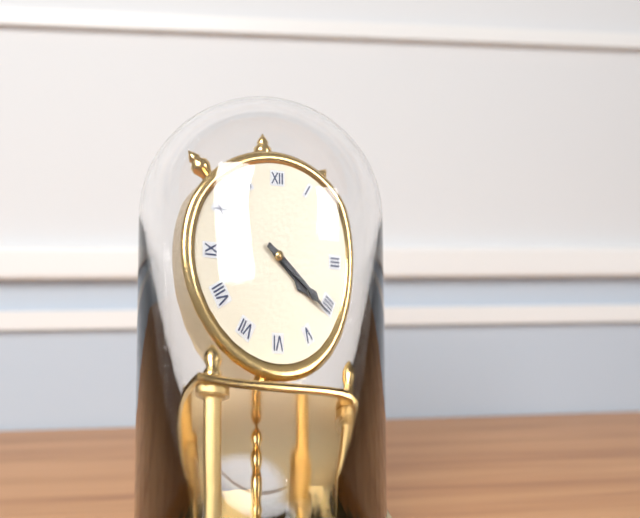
4h21
